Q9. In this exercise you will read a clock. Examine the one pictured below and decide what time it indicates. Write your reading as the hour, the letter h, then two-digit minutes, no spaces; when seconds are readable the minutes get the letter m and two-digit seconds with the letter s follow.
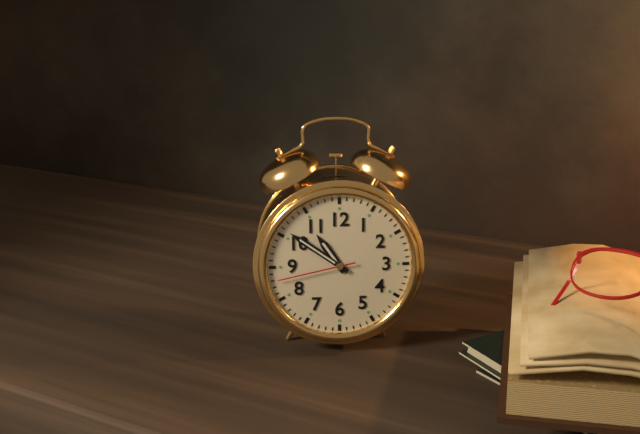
10h51m43s
